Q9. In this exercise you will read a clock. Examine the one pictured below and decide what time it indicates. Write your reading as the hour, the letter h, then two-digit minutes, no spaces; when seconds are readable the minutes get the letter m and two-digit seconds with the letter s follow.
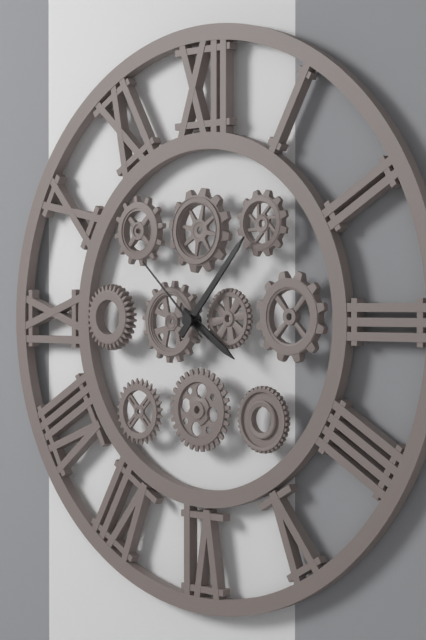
4h07m52s
